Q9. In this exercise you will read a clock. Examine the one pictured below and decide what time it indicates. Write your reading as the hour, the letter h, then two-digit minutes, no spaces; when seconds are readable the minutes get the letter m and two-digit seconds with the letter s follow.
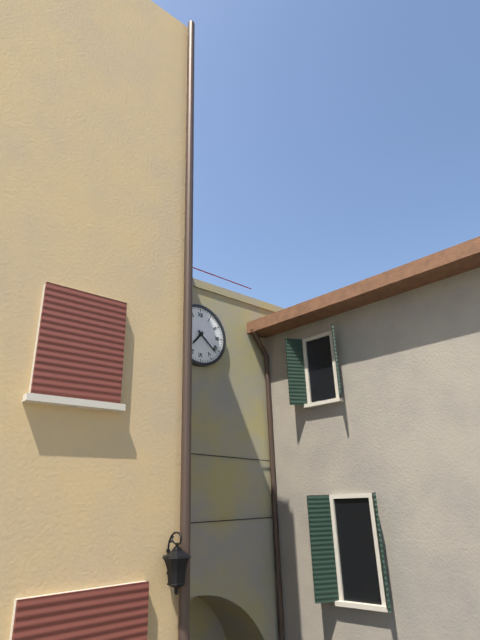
7h22
